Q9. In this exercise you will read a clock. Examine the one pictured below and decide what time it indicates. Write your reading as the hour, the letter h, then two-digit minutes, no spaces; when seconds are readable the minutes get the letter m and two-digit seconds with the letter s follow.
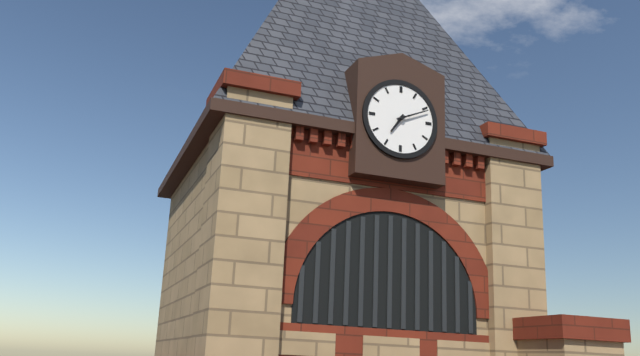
7h11
